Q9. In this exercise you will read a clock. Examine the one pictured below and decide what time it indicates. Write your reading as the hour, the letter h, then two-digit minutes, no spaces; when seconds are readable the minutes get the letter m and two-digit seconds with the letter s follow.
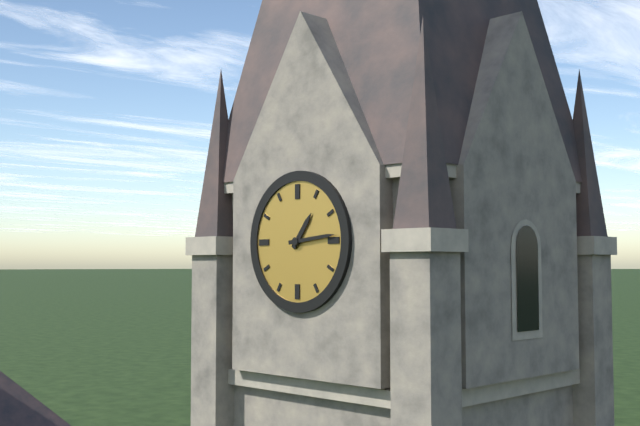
1h14
